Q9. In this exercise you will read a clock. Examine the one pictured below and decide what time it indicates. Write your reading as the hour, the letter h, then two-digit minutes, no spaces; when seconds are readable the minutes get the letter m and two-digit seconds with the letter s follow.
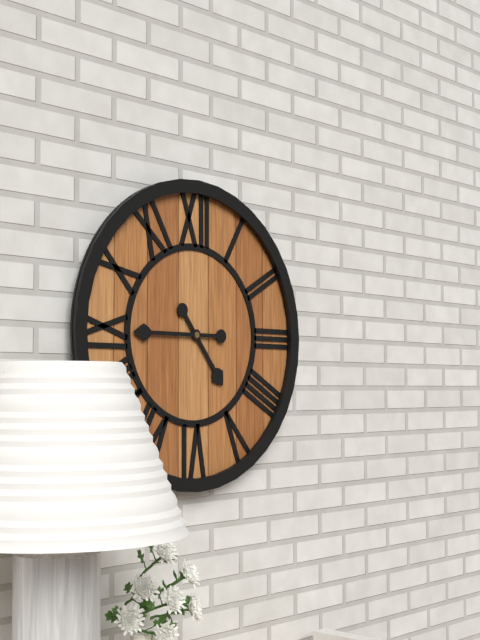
4h45
